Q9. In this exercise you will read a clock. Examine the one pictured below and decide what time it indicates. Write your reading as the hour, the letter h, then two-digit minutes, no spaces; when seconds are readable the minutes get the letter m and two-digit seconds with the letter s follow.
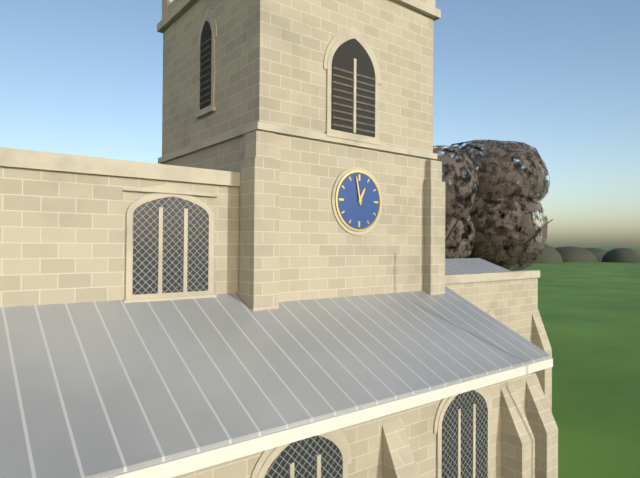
12h58
